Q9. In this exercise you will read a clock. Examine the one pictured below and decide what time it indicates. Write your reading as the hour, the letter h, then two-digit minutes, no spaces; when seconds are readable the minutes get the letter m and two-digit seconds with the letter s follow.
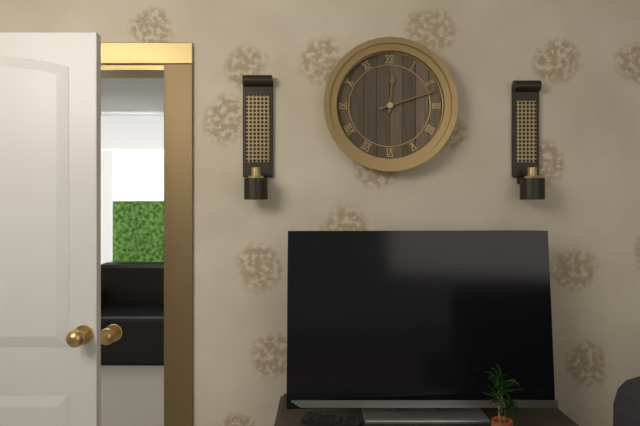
12h12
